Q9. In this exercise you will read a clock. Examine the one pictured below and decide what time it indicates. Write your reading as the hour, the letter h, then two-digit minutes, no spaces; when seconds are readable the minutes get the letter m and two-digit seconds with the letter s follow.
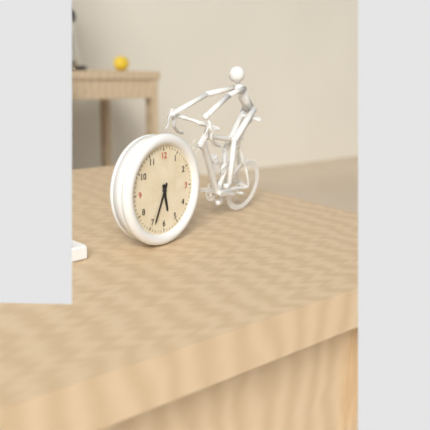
5h34
